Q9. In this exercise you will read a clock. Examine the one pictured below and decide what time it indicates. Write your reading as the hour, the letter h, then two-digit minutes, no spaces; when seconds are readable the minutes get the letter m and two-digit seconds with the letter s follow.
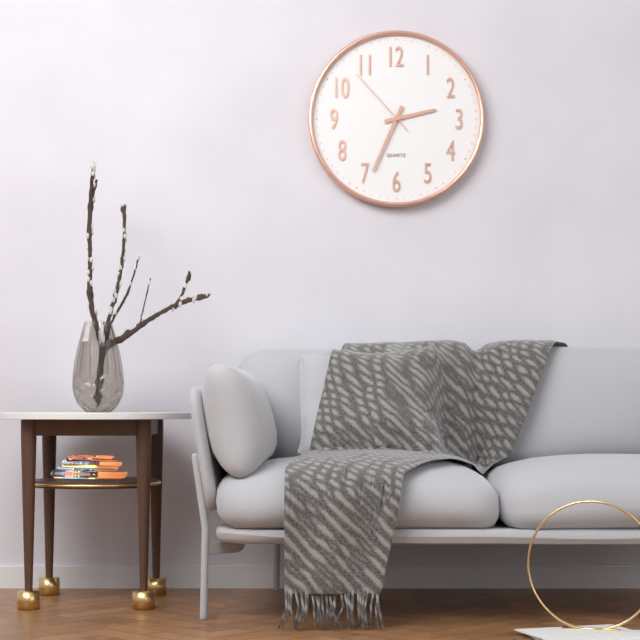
2h34m53s
